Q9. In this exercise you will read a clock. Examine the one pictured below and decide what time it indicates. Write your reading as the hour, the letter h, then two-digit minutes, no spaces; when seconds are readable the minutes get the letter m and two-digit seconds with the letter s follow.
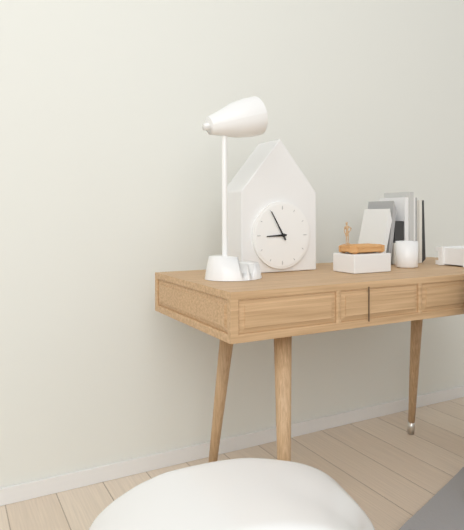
8h55
